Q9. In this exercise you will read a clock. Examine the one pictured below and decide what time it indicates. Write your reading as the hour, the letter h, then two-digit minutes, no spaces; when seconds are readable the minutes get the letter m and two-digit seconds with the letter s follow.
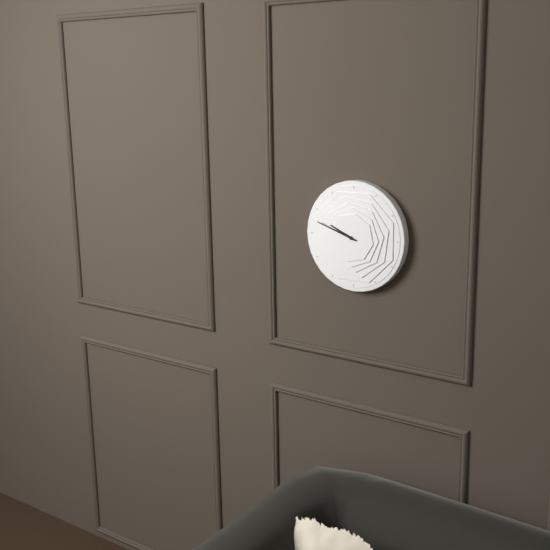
9h48
